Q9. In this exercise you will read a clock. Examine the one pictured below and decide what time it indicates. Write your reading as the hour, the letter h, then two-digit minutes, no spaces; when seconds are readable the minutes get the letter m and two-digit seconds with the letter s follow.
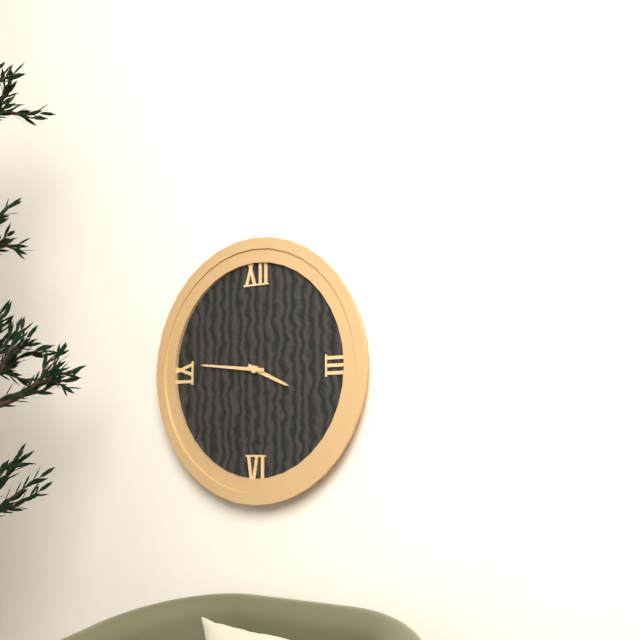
3h46
